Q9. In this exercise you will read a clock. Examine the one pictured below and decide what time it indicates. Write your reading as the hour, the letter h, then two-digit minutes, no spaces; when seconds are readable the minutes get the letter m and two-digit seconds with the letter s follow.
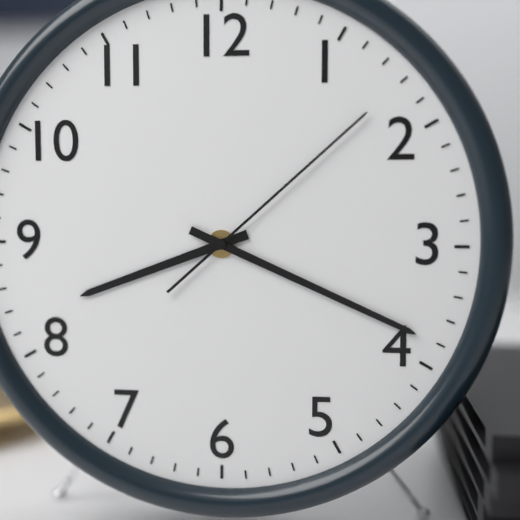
8h19m08s
